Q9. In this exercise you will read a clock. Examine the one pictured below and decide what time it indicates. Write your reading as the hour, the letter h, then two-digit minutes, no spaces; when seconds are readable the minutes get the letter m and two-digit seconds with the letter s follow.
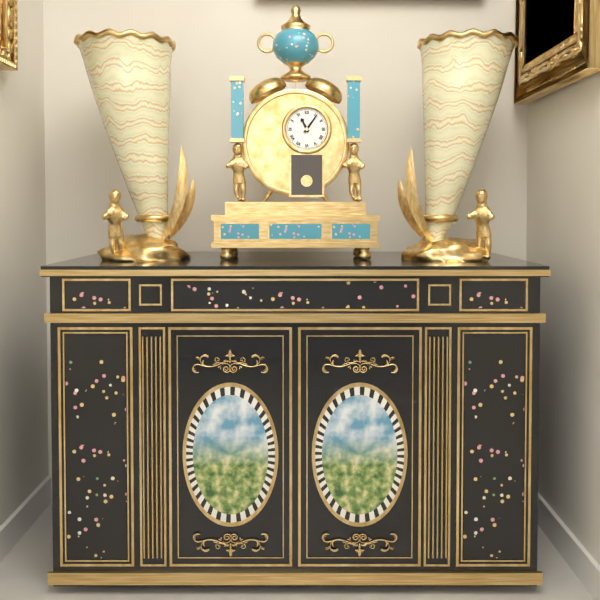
11h06
